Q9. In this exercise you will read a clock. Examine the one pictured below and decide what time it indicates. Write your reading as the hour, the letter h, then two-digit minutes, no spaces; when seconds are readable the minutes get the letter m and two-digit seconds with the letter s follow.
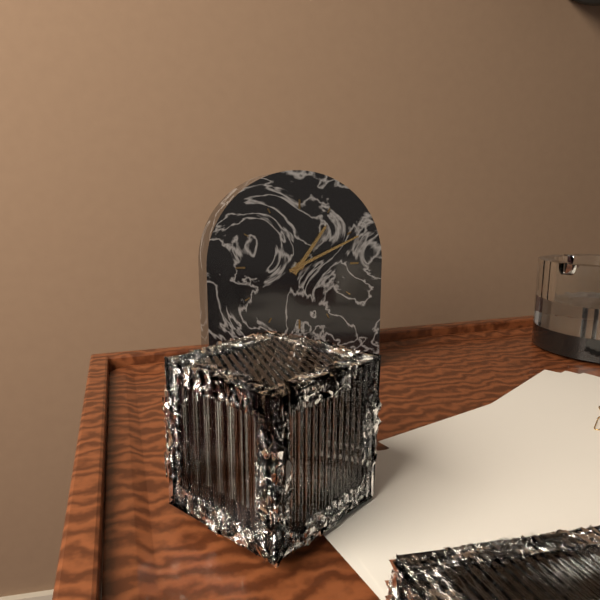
1h11
